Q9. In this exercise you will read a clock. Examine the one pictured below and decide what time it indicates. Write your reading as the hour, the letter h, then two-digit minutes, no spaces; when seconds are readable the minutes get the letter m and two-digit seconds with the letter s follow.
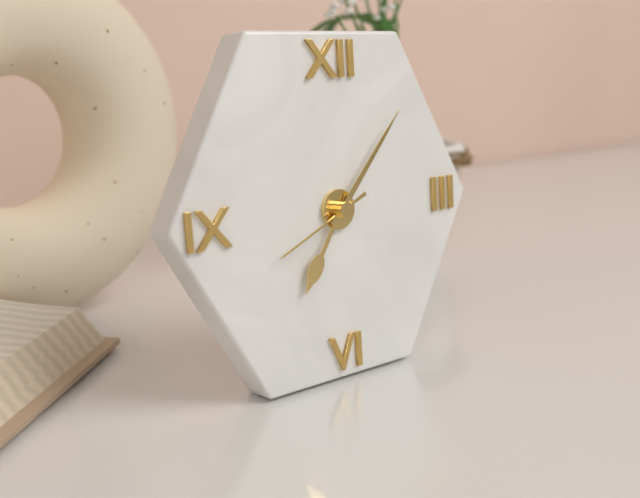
7h07m41s
